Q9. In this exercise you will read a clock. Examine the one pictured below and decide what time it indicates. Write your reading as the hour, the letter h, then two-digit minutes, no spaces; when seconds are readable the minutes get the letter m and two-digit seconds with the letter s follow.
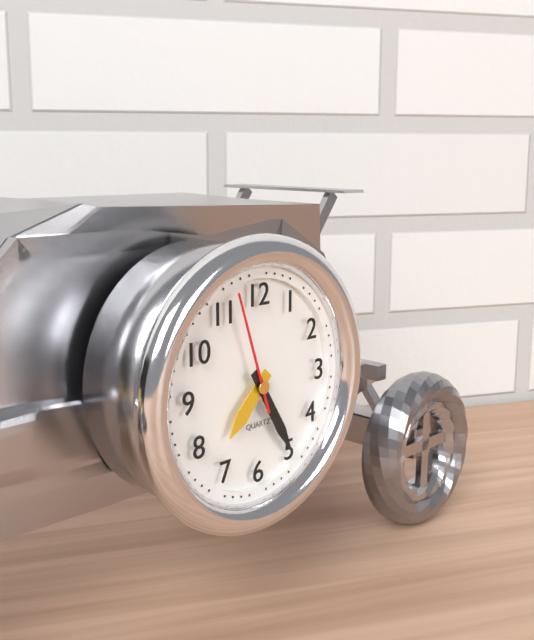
7h25m57s
